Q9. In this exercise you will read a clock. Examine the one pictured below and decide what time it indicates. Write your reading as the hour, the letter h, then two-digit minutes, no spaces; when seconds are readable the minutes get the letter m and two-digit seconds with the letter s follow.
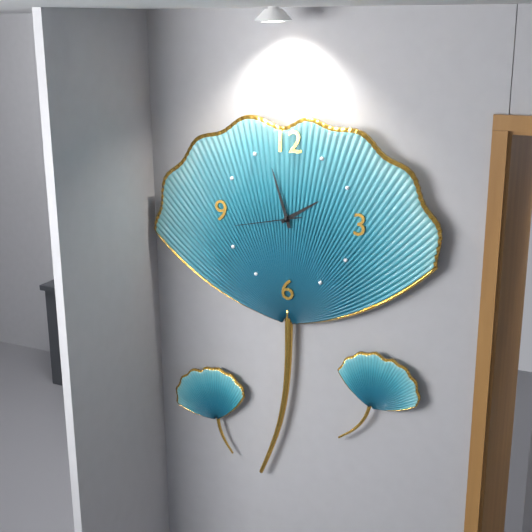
1h57m43s
